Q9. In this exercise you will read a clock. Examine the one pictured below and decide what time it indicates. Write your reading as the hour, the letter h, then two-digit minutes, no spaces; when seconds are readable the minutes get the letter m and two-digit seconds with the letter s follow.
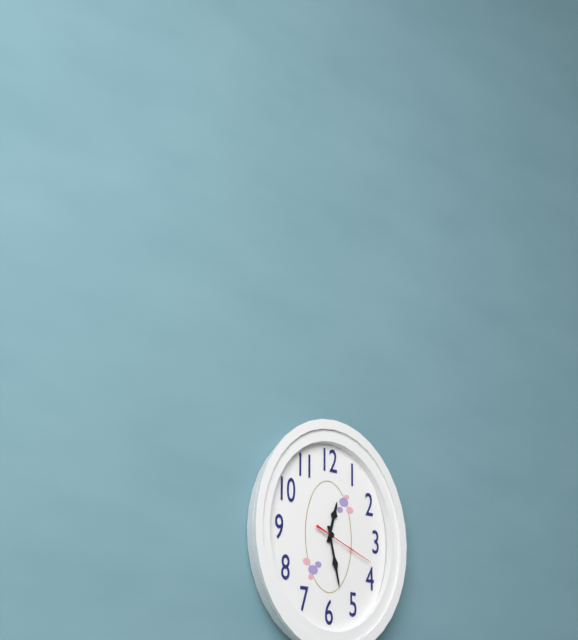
12h28m19s
